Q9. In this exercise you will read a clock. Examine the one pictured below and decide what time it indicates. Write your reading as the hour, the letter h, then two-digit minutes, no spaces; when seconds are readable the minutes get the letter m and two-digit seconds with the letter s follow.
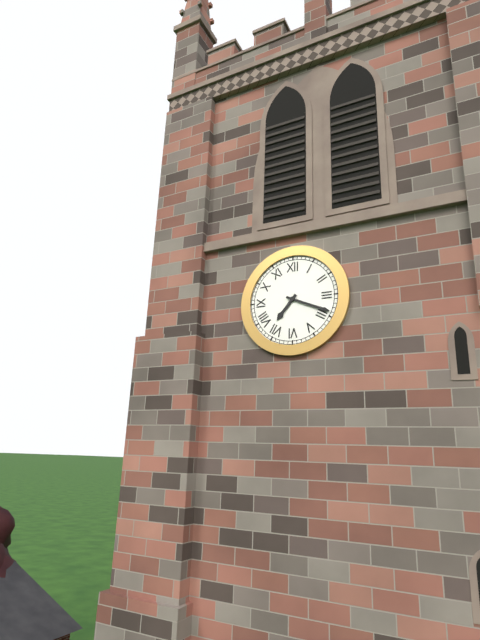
7h19
